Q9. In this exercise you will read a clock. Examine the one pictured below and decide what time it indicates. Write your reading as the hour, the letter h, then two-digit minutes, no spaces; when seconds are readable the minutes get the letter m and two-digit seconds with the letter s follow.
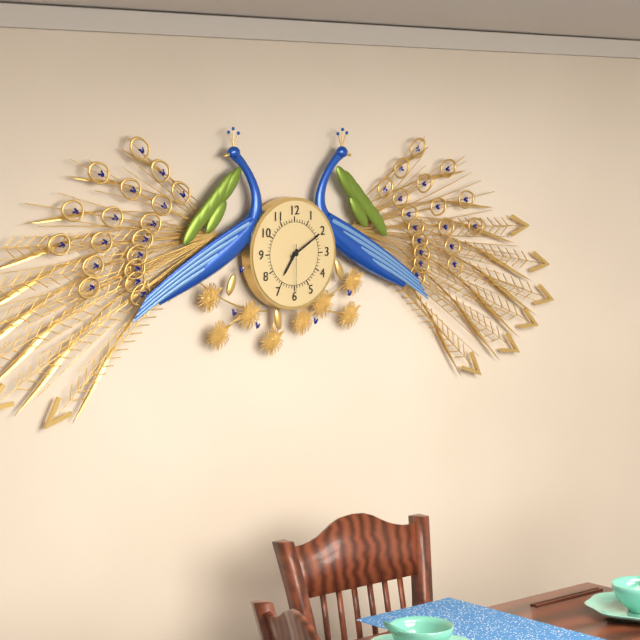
7h10m30s
